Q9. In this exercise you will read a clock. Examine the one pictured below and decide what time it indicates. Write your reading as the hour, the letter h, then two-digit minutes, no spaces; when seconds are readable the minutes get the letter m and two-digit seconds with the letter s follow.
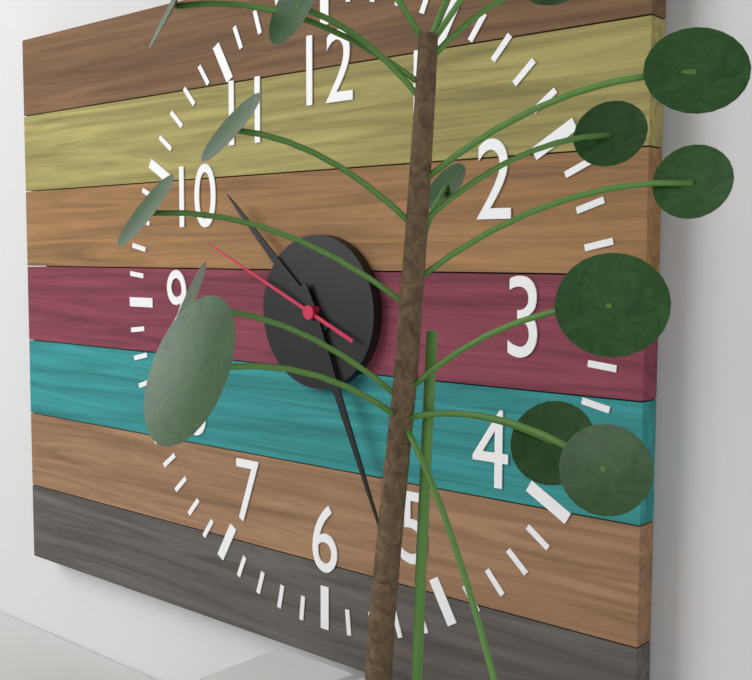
10h26m49s
